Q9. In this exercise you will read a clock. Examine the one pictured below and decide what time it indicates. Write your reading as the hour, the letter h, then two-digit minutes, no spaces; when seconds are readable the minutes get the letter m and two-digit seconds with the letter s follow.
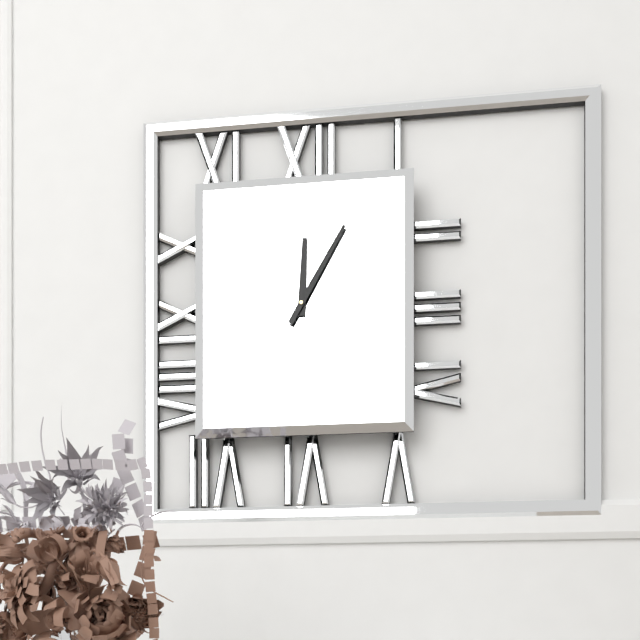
12h05
